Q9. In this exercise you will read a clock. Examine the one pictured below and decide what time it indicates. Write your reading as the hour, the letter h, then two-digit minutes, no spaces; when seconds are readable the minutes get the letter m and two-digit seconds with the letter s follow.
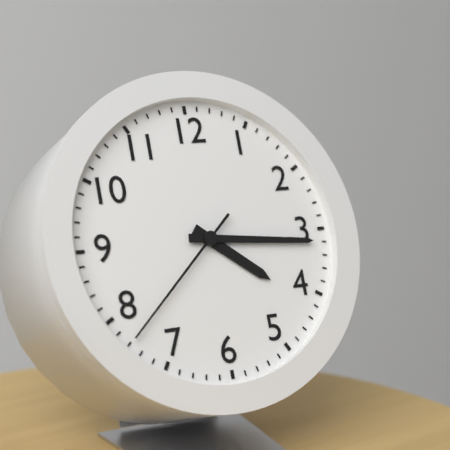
4h16m38s
